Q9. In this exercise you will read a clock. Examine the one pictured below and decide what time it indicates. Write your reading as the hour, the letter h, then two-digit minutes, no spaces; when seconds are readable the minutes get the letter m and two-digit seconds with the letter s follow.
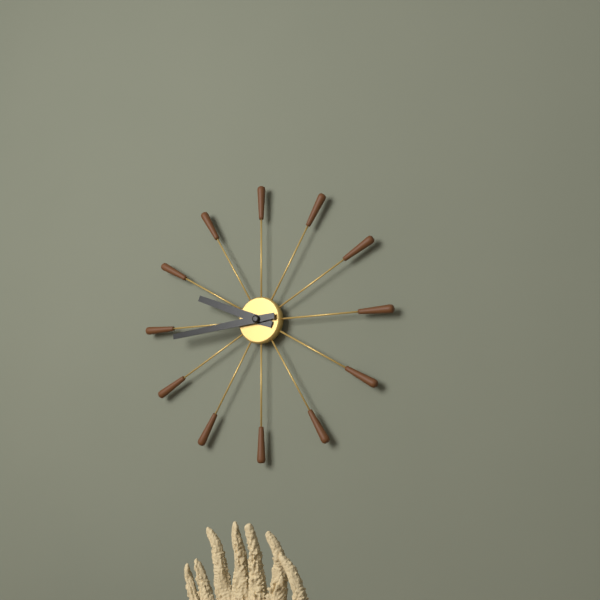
9h44
